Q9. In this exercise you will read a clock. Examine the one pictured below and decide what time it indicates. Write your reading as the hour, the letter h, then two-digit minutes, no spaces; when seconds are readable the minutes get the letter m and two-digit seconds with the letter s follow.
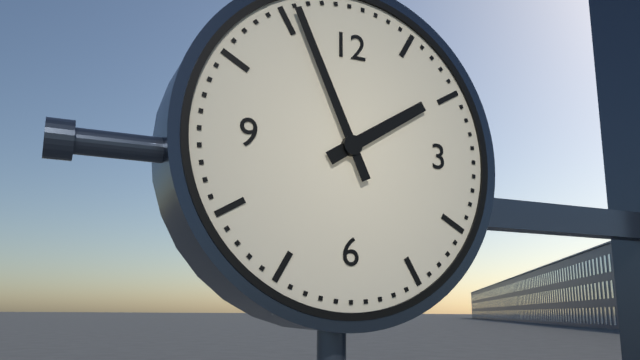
1h56
